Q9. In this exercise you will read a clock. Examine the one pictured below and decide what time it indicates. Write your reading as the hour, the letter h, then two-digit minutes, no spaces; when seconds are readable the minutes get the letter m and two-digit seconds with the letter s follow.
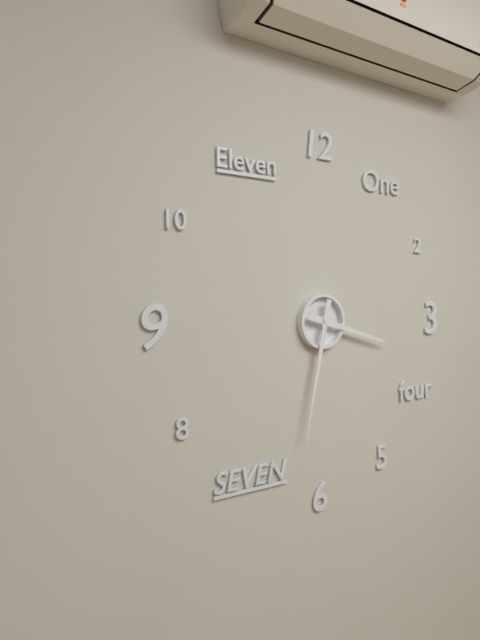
3h32
